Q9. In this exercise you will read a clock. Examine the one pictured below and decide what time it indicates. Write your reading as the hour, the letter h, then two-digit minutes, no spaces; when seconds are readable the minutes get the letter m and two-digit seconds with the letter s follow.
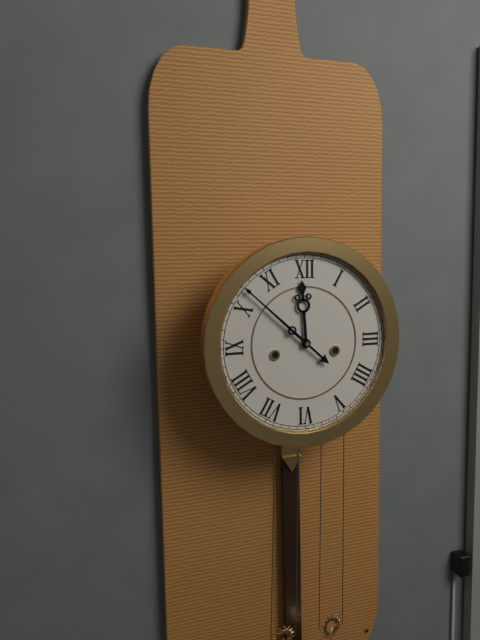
11h52
